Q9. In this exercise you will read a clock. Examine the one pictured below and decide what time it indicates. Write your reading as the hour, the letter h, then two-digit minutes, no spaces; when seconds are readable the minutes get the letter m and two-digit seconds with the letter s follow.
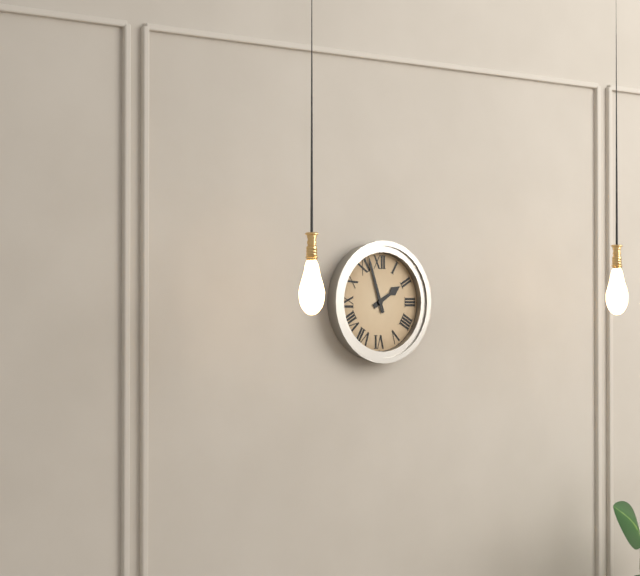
1h57
